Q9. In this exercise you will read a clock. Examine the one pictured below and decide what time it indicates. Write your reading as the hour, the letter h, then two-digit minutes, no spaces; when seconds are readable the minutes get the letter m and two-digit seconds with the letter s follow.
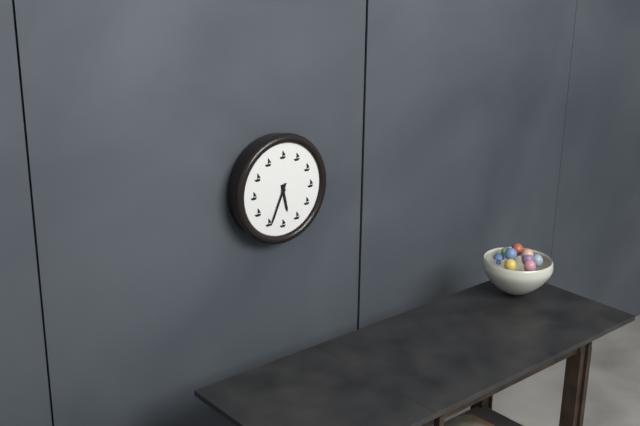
5h34
